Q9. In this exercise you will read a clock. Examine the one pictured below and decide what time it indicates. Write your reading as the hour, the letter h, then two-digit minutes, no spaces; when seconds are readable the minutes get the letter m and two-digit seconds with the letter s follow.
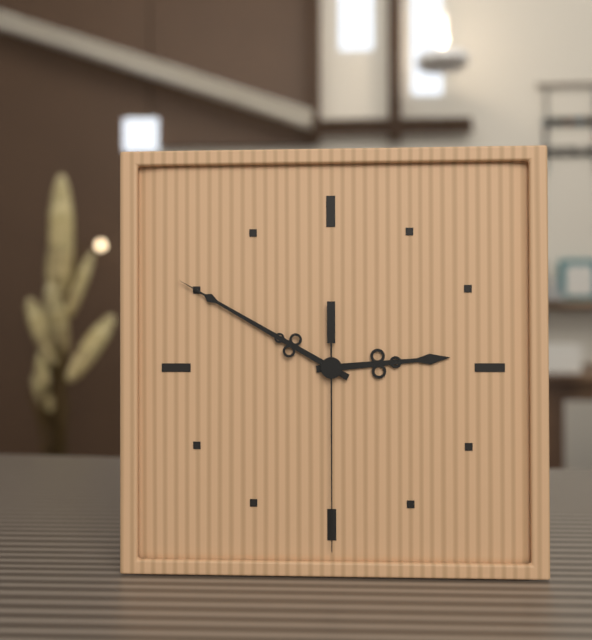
2h50m30s
